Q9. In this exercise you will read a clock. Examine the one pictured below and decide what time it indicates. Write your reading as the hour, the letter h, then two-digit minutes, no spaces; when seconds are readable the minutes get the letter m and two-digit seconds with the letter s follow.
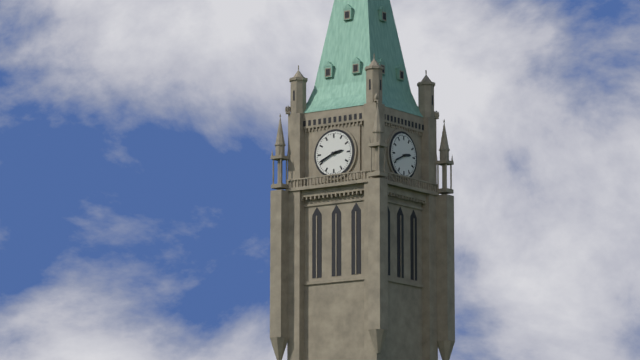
2h41
